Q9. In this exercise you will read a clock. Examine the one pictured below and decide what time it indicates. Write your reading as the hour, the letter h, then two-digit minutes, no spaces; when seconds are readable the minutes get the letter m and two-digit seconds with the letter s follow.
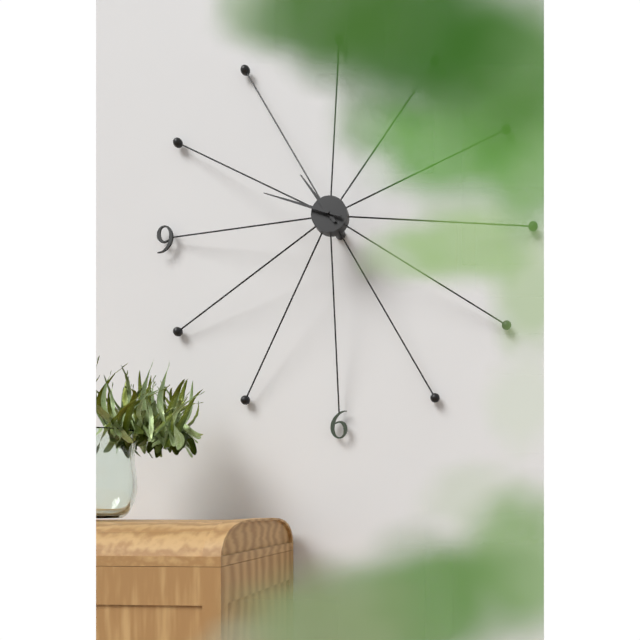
10h48
